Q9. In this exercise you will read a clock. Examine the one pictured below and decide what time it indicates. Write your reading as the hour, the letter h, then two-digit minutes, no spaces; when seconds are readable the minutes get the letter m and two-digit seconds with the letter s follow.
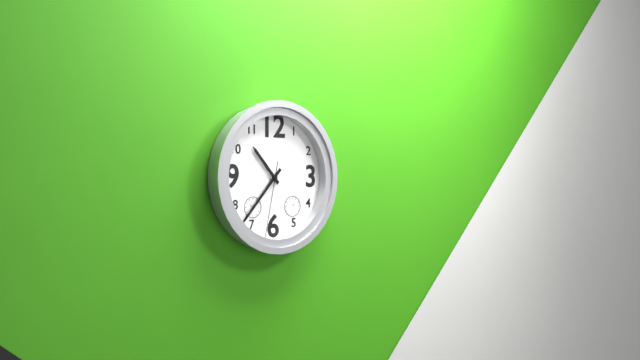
10h37m32s
